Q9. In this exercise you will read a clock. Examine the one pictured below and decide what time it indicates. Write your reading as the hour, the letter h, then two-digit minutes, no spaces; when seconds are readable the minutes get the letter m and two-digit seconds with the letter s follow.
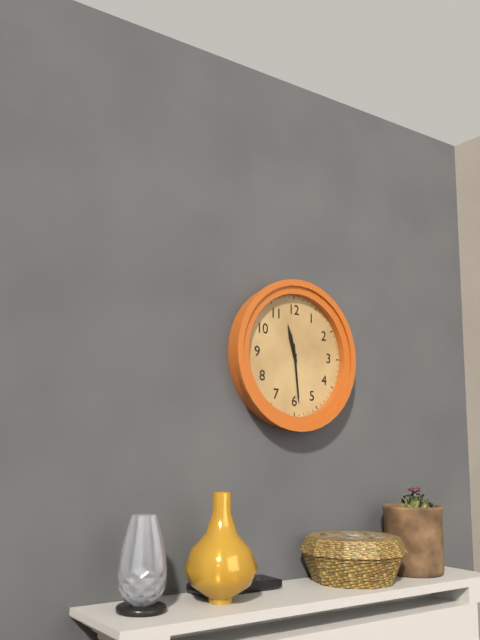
11h29
